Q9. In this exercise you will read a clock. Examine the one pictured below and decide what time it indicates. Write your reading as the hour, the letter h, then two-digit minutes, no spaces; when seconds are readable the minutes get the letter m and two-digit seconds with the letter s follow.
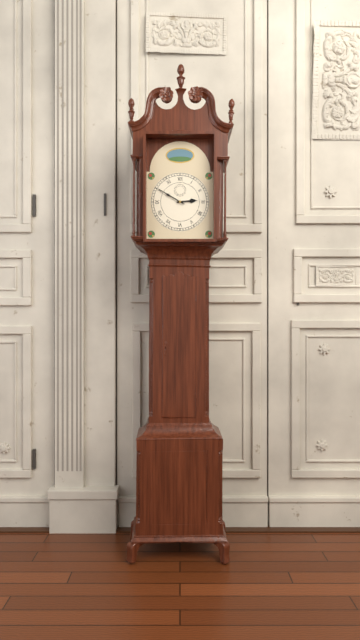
2h50
